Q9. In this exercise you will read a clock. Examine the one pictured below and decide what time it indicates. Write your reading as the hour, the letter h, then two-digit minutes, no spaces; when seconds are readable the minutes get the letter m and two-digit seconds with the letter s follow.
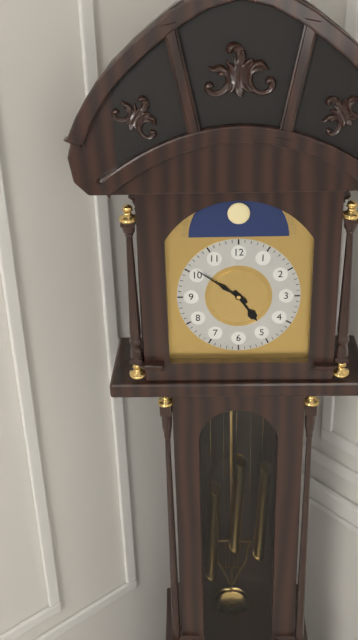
4h51
